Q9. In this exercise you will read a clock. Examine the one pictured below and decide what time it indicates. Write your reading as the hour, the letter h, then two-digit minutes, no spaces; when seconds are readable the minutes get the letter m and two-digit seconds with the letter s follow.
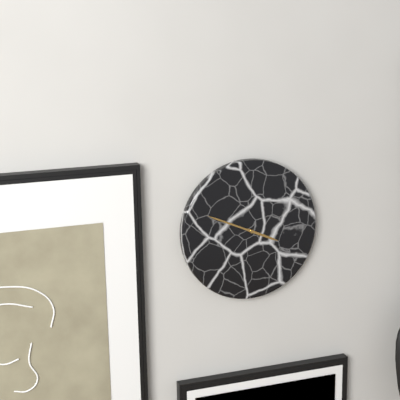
3h49
